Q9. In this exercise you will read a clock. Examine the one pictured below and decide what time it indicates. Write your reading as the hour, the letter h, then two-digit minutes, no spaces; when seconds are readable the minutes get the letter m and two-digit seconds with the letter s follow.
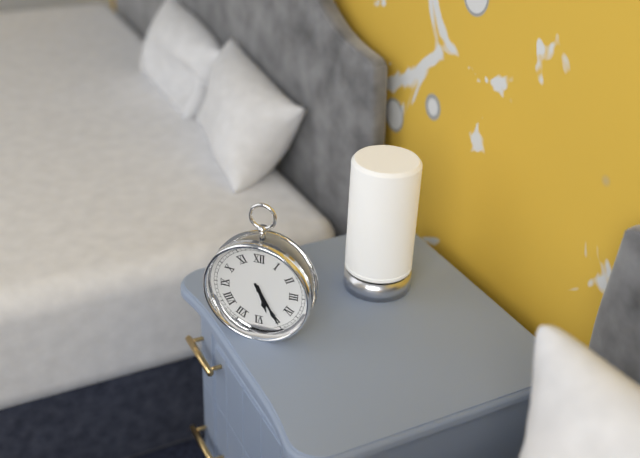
5h25
